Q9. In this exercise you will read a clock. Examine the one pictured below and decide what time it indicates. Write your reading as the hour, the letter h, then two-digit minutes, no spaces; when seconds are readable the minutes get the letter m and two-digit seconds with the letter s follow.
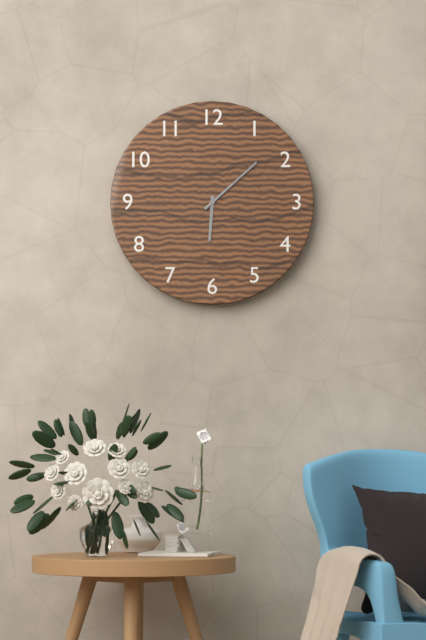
6h08
